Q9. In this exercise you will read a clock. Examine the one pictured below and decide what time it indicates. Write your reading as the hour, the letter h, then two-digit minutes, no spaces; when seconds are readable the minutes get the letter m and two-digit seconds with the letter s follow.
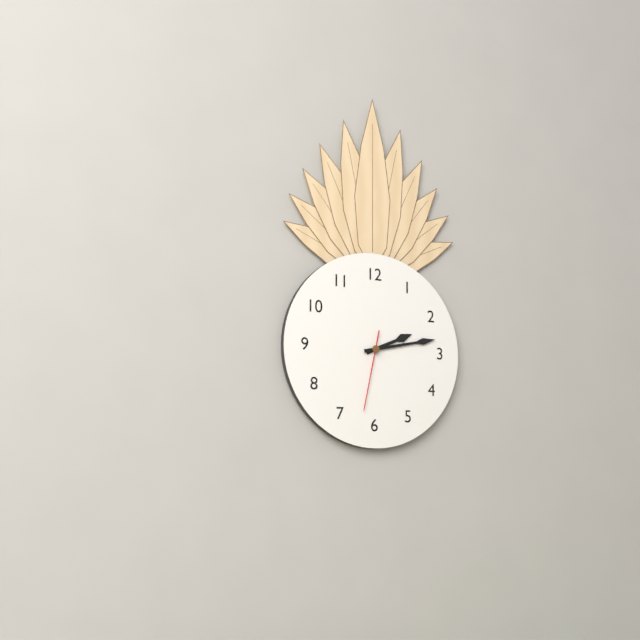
2h13m32s
